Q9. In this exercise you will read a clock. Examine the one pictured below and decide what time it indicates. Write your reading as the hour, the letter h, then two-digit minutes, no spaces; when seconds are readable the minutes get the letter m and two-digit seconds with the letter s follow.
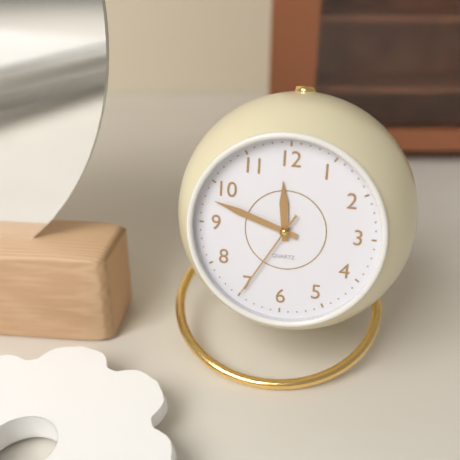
11h48m35s
